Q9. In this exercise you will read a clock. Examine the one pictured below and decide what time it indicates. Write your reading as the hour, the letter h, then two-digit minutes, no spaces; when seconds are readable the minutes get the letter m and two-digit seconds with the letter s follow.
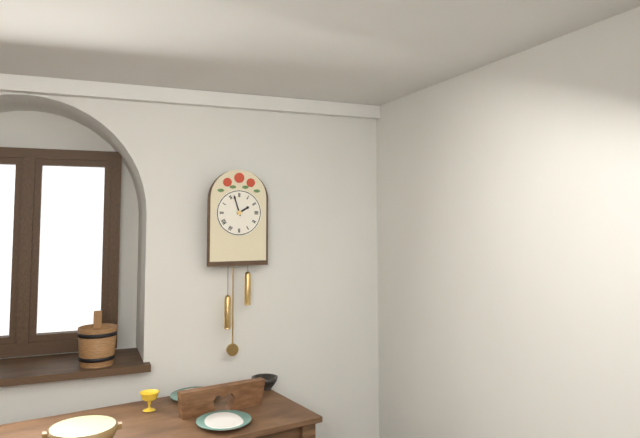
1h57
